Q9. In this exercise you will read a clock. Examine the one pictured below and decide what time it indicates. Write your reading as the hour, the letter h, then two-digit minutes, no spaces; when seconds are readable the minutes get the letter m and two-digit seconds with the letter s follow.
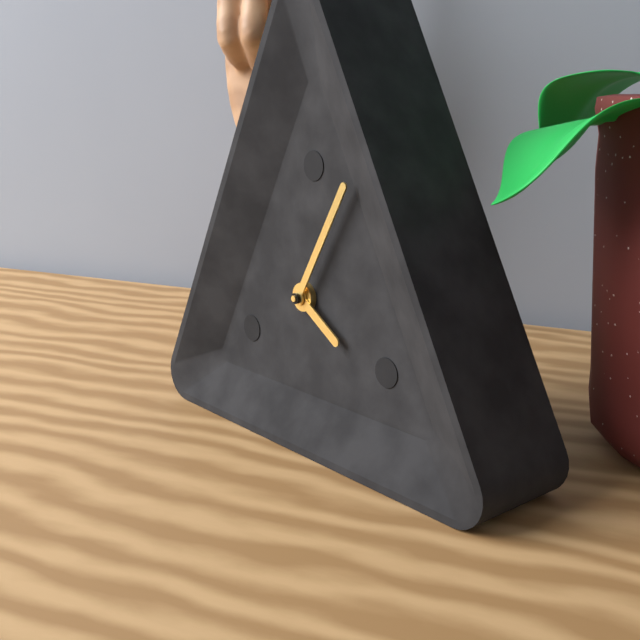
4h05
